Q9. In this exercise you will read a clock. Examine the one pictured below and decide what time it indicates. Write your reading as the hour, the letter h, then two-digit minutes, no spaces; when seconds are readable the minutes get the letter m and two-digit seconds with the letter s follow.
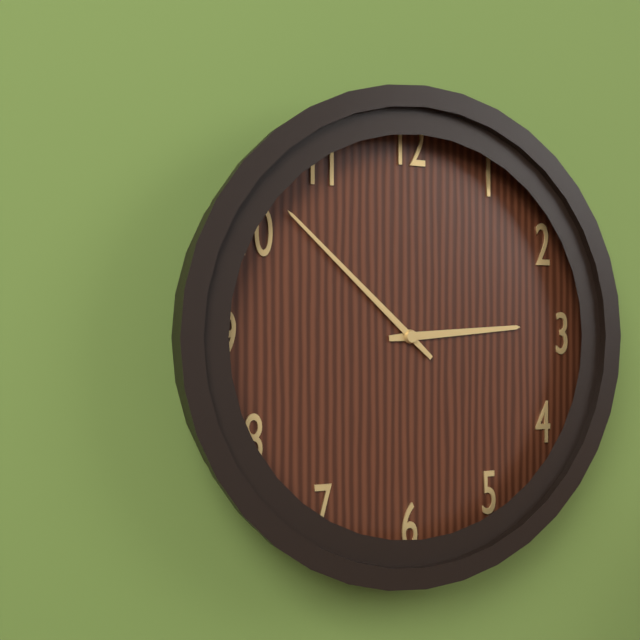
2h52
